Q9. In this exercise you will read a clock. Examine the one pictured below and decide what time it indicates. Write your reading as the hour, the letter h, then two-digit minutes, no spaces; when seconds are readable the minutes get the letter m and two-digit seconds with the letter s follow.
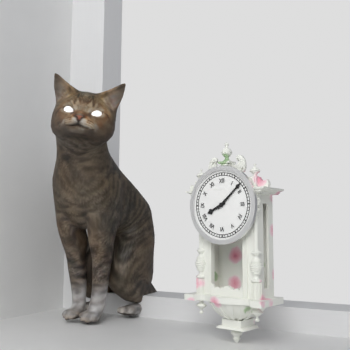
8h08
